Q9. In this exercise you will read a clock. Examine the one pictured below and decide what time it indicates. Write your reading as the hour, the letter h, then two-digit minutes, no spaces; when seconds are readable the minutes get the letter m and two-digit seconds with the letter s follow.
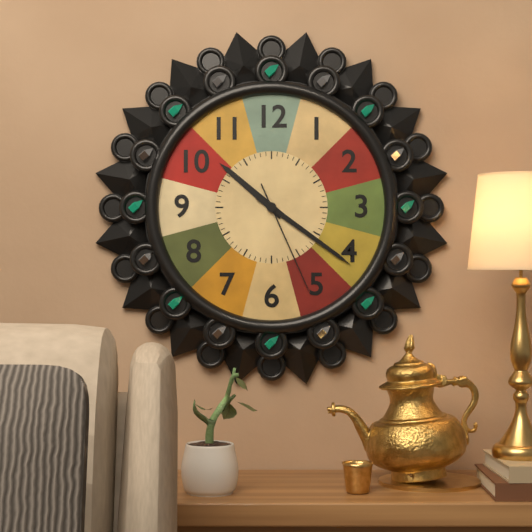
10h21m26s
